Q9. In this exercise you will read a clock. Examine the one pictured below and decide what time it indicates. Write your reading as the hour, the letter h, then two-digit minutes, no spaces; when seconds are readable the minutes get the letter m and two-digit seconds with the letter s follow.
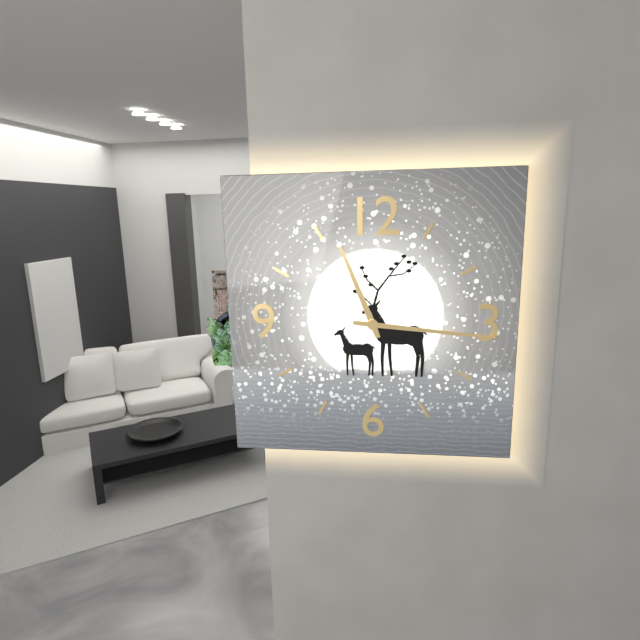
11h16
